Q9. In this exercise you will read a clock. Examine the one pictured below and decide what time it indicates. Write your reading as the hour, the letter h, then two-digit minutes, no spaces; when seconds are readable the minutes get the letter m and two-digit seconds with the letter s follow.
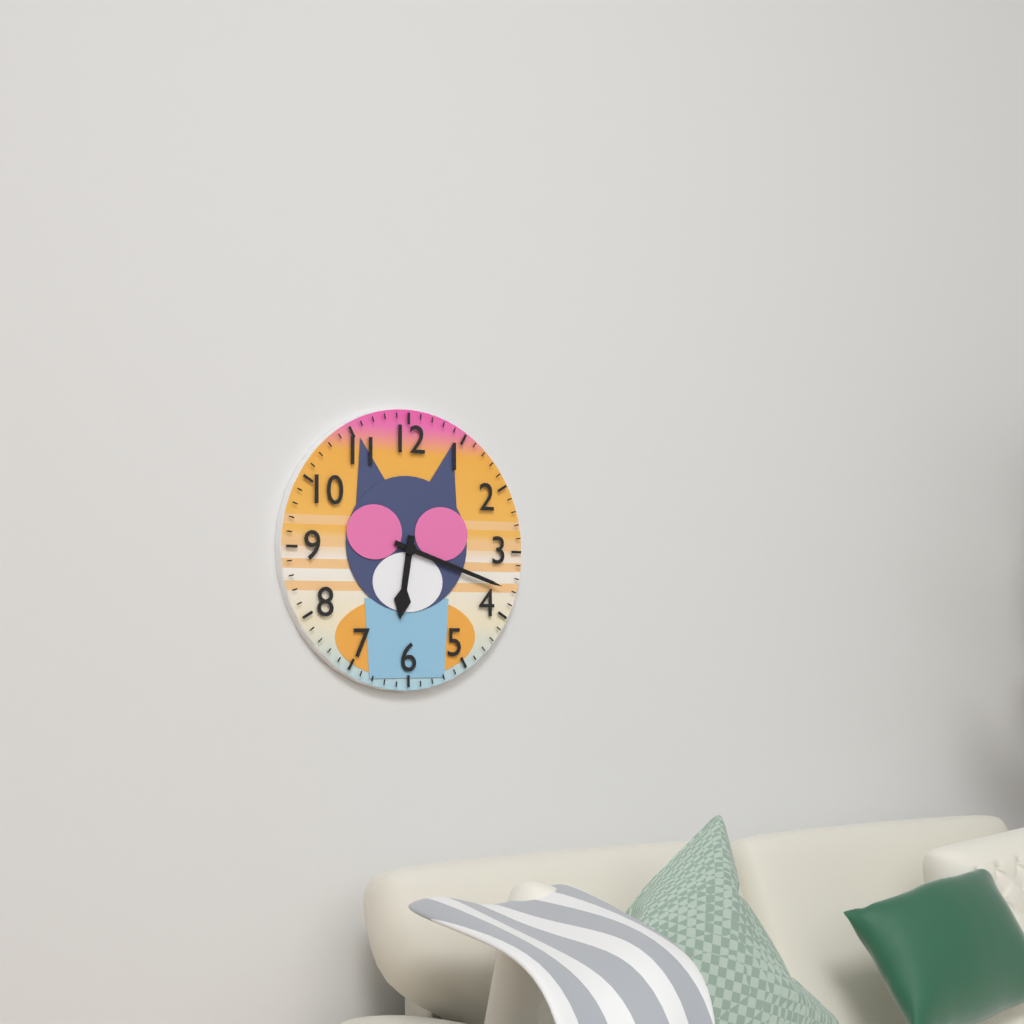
6h18
